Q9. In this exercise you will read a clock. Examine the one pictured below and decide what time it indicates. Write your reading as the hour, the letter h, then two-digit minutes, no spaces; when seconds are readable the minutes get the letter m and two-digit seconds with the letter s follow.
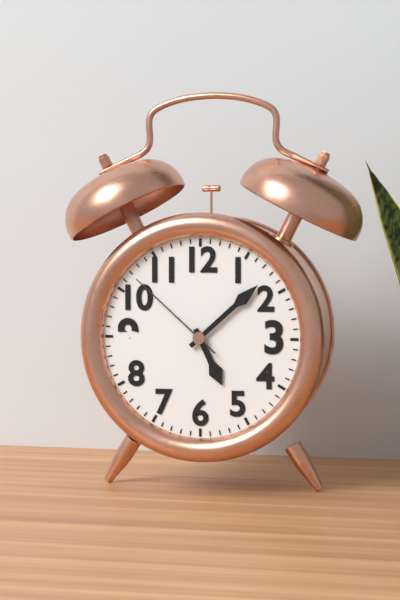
5h08m52s
